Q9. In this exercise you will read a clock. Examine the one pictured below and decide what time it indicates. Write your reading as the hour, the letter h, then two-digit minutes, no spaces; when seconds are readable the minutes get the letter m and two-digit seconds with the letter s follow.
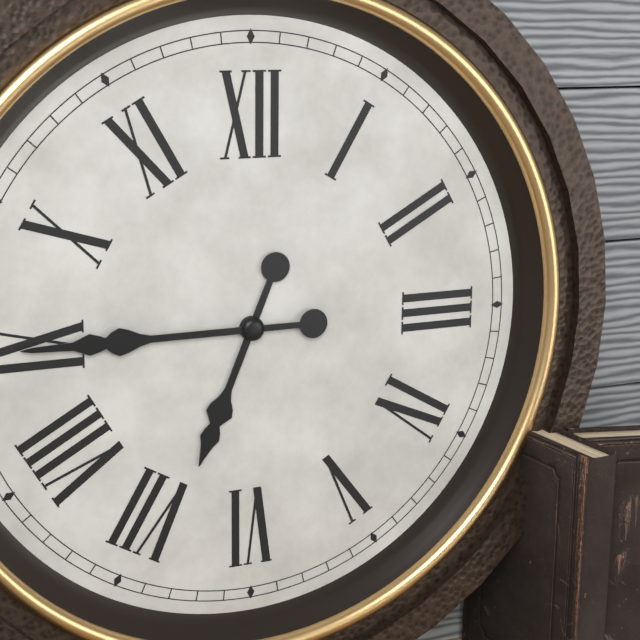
6h45
